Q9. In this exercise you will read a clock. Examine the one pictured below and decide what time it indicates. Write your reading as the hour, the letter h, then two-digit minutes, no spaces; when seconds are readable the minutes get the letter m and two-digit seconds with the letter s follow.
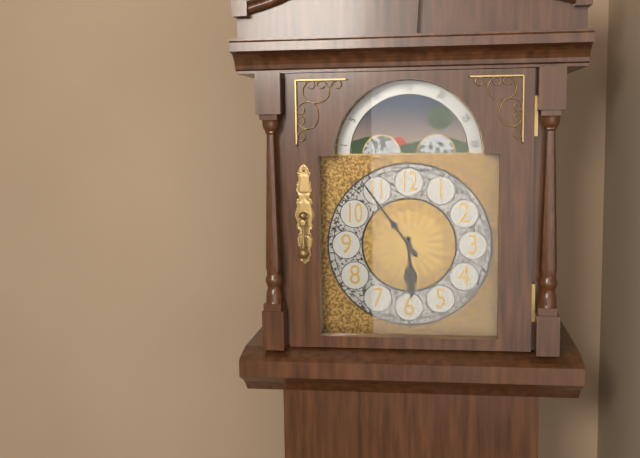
5h54
